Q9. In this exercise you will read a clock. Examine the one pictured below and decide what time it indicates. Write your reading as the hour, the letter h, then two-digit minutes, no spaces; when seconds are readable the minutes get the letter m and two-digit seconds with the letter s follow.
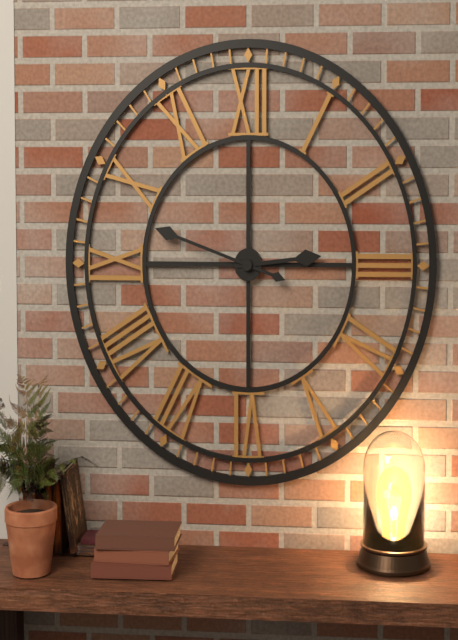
2h48
